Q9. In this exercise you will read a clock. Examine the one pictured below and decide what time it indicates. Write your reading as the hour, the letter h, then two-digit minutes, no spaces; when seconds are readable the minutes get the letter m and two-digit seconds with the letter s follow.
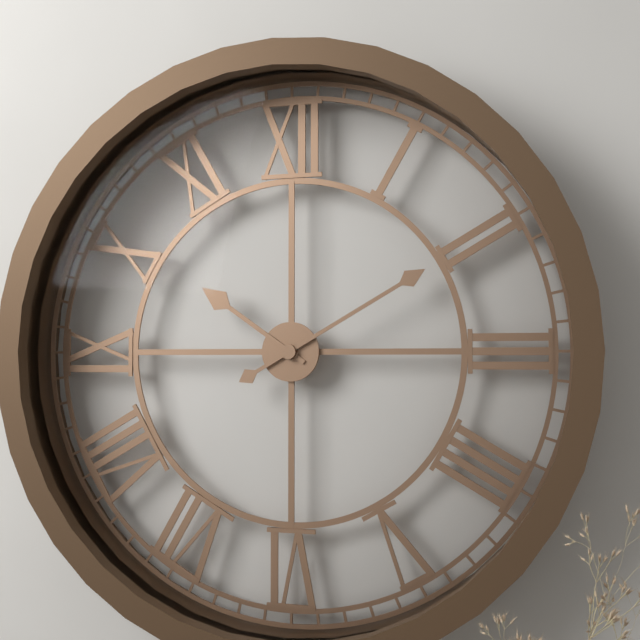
10h10
